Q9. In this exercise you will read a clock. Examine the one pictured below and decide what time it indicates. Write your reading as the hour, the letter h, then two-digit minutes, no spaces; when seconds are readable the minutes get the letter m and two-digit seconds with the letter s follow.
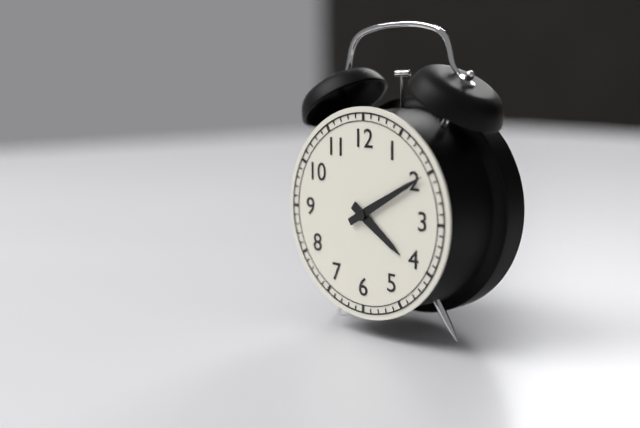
4h10
